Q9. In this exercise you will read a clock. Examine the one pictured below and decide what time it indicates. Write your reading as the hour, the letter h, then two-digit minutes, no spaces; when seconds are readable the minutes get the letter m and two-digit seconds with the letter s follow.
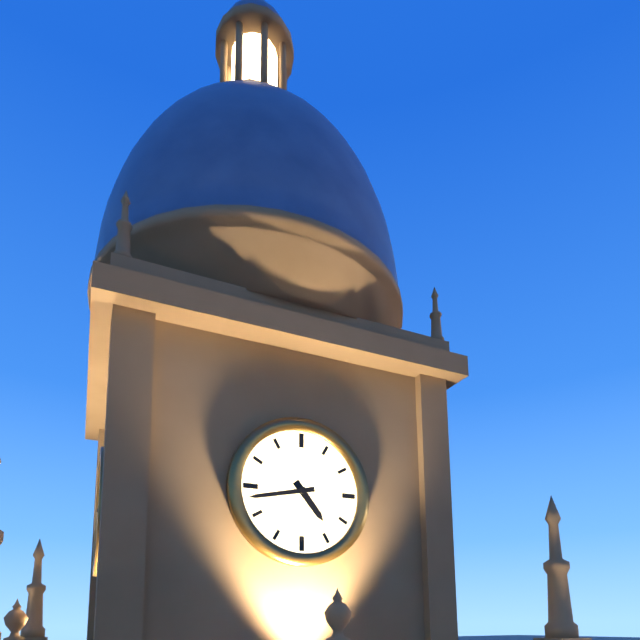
4h43
